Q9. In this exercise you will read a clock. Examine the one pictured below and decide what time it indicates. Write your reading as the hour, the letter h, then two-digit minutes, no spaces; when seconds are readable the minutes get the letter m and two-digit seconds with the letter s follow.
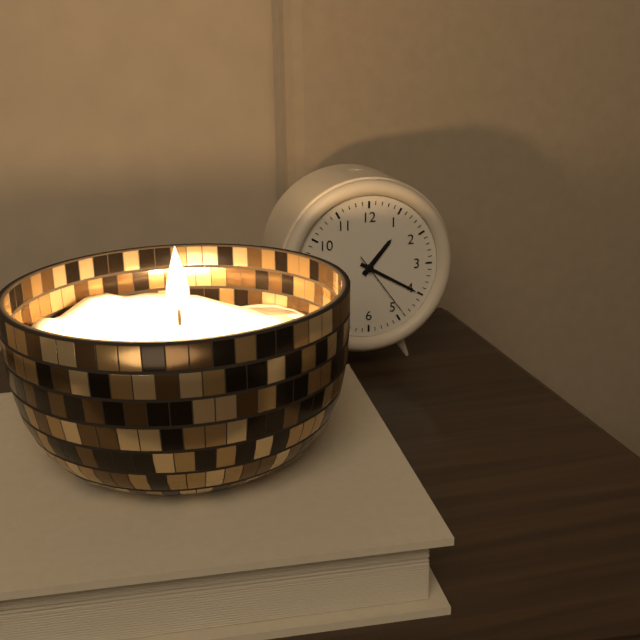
1h20m24s
